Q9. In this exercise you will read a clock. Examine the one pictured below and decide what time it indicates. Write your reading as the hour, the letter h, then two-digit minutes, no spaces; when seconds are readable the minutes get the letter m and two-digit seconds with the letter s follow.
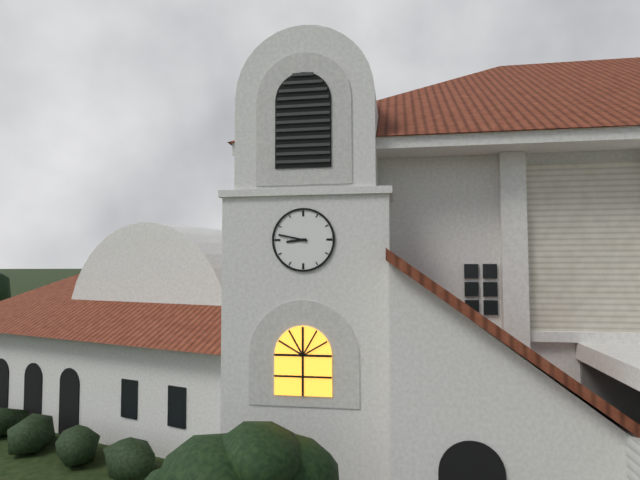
8h47
